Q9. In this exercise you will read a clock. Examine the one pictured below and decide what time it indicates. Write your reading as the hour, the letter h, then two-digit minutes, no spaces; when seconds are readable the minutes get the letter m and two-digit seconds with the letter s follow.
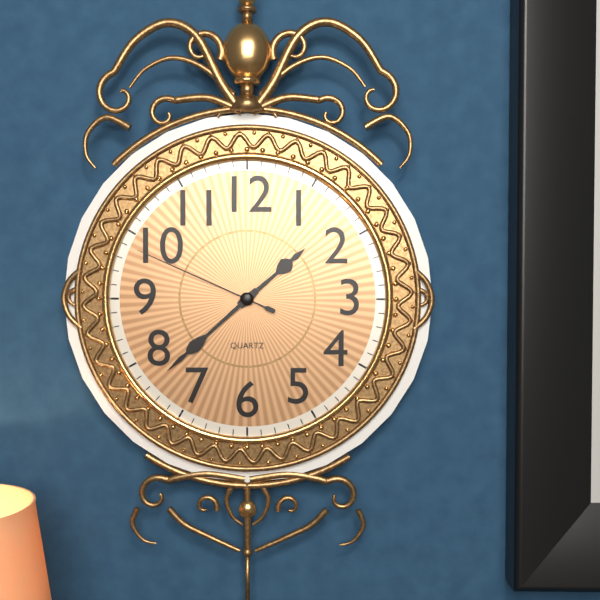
1h38m49s
